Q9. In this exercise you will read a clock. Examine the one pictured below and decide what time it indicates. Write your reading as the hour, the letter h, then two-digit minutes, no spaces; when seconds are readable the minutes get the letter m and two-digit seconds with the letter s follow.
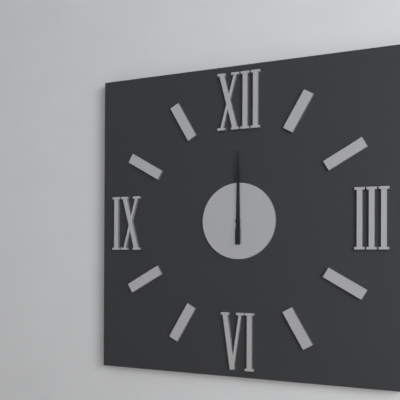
12h00
